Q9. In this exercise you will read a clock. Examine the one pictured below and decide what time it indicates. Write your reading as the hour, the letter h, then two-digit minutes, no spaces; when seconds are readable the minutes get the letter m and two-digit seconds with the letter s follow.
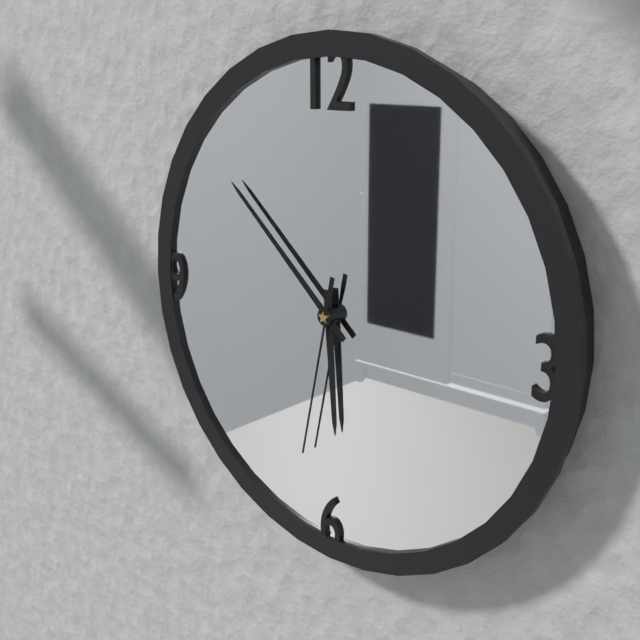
5h52m32s
